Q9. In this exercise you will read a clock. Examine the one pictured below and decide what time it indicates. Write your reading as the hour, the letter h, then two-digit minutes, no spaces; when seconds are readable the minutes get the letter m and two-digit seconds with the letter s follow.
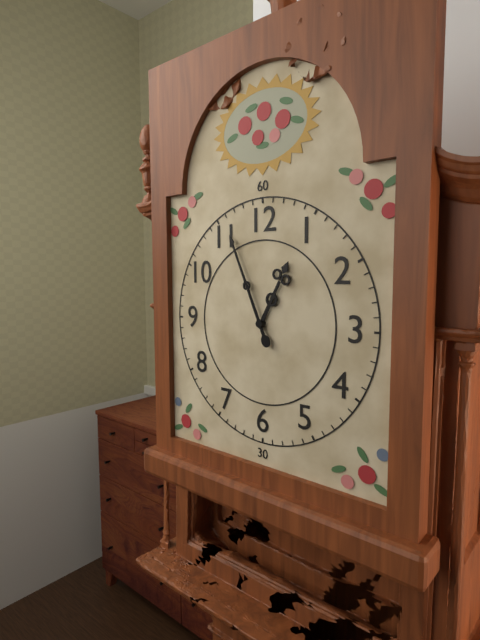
12h56
